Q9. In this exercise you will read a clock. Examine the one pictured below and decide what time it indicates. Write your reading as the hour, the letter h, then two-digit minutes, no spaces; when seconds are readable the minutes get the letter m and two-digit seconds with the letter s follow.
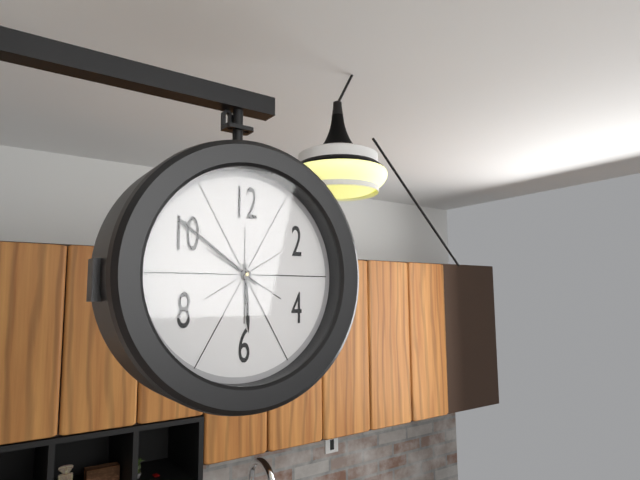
5h51
